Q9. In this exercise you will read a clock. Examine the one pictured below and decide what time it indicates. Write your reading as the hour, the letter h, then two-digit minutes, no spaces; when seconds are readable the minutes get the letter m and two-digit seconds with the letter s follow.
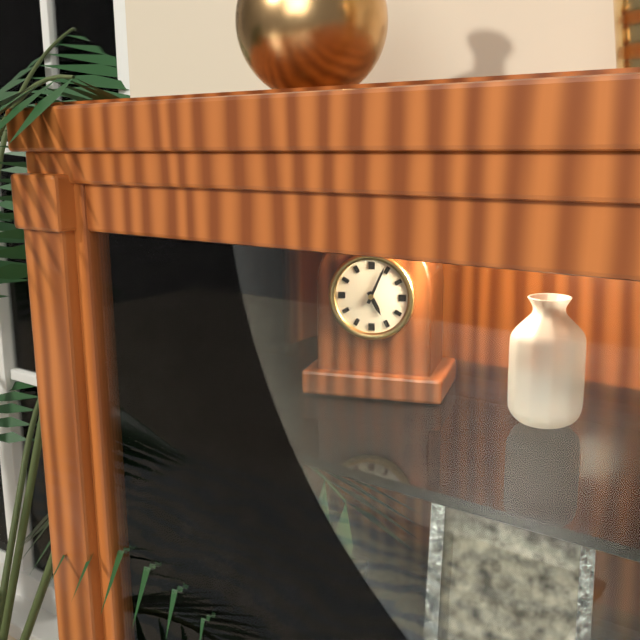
5h04
